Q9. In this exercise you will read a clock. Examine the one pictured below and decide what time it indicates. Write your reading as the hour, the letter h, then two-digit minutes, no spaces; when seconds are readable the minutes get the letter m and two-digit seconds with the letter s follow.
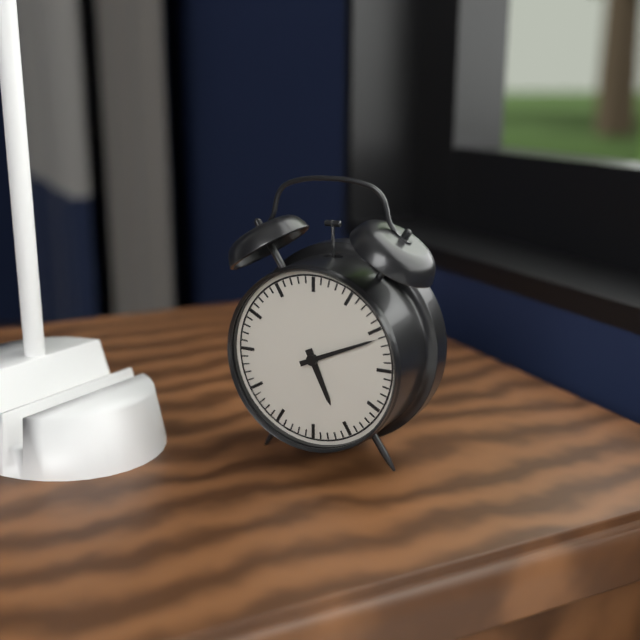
5h11
